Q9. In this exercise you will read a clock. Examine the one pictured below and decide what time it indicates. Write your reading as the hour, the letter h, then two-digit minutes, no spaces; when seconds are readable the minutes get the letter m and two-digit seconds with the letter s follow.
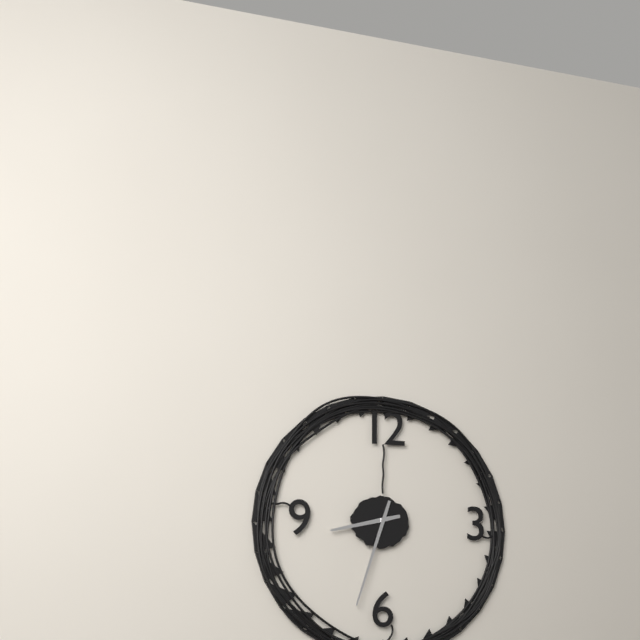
8h33
